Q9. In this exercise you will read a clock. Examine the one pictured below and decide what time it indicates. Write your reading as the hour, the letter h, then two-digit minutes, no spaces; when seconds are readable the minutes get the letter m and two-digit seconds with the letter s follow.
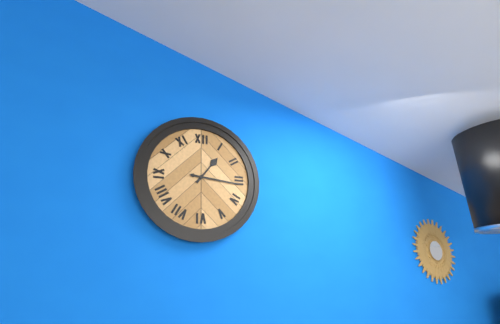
1h16
